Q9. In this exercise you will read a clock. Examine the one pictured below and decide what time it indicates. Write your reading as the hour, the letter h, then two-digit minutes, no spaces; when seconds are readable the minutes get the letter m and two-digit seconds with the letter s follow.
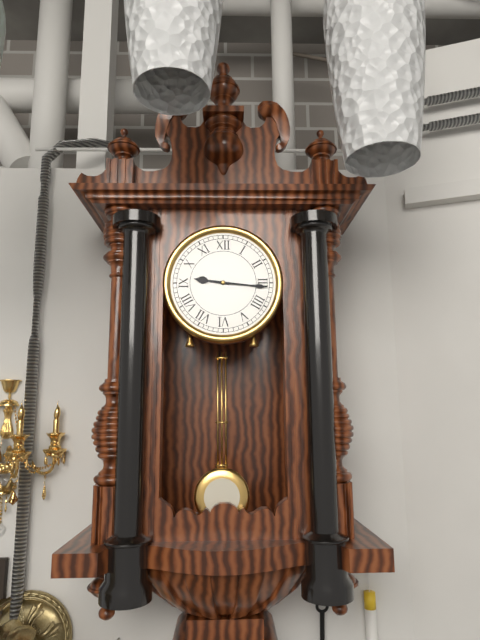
9h16
